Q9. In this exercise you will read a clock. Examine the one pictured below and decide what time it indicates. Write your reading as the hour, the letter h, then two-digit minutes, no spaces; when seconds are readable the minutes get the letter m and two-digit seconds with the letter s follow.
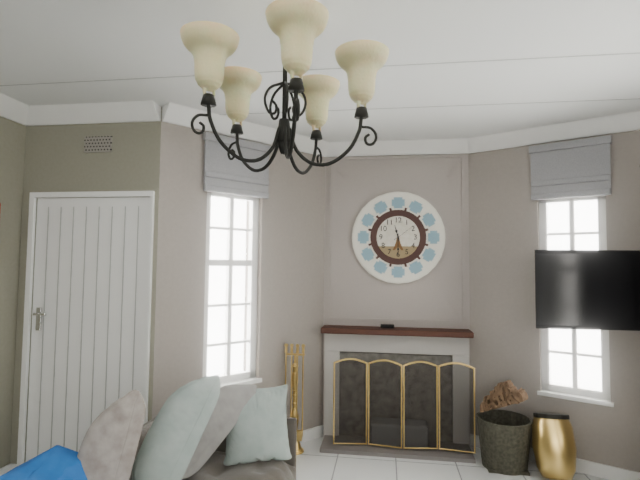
11h30
